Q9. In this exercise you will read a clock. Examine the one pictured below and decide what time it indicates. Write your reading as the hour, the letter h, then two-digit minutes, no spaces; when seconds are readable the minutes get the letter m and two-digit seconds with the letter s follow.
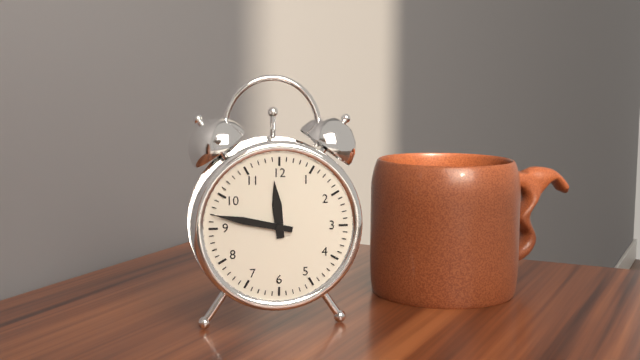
11h47
